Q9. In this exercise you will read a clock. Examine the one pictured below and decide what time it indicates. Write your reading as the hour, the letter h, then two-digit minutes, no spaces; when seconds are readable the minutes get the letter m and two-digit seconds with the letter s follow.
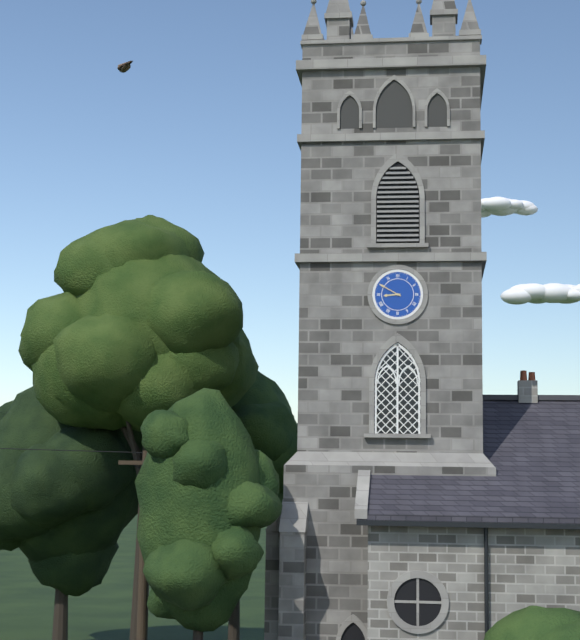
8h50
